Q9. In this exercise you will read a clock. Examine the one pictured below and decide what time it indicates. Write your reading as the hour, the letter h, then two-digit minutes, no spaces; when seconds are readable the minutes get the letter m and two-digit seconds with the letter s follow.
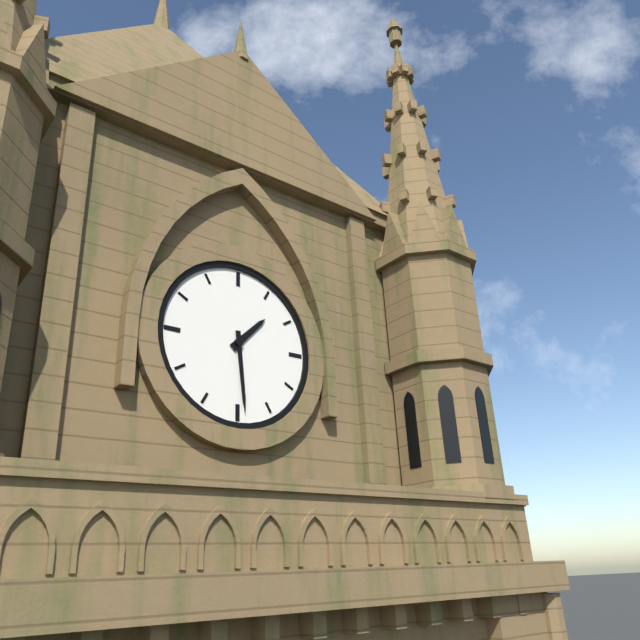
1h29
